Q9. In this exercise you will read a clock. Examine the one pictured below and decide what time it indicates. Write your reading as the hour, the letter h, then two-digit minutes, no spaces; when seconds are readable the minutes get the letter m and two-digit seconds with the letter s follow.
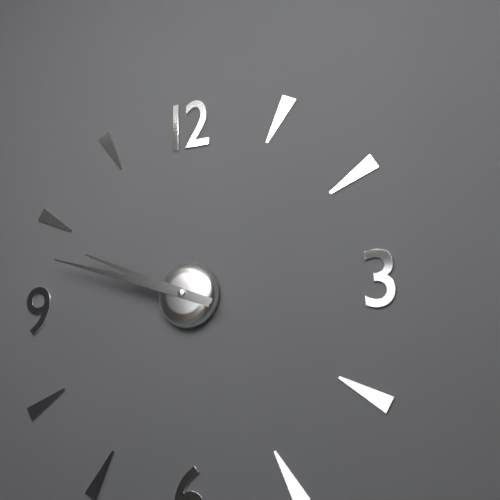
9h48
